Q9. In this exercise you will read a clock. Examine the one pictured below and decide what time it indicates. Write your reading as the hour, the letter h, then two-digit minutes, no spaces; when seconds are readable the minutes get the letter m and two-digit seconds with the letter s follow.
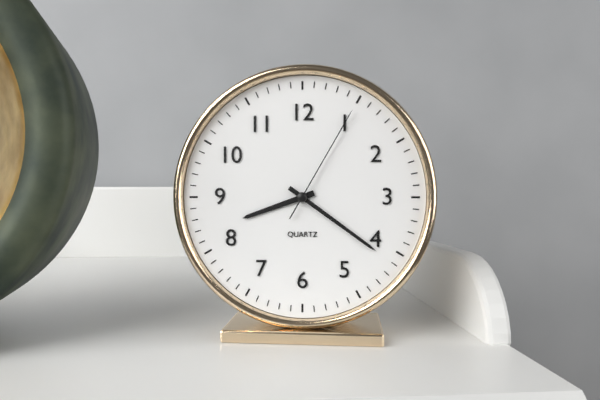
8h21m05s
